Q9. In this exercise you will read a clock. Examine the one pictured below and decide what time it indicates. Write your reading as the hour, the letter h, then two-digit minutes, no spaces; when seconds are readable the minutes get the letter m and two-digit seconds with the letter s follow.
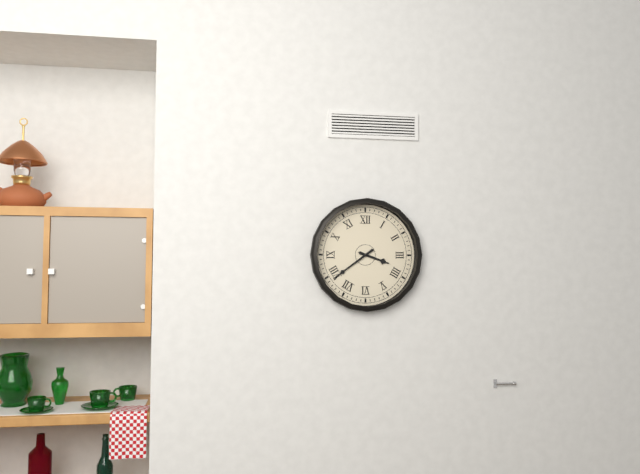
3h39
